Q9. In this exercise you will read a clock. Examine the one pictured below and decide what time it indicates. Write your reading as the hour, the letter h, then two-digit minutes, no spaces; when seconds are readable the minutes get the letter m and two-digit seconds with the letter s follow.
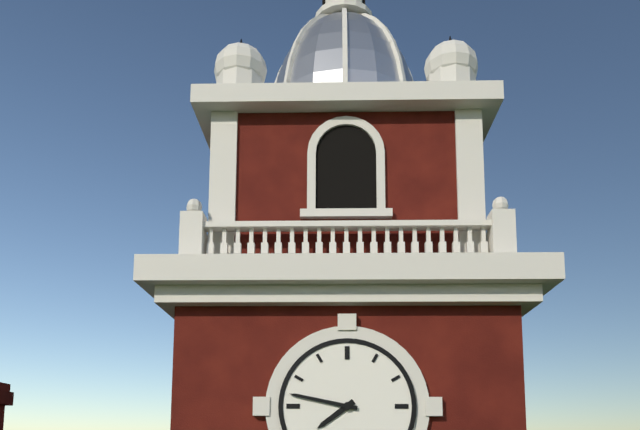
7h47
